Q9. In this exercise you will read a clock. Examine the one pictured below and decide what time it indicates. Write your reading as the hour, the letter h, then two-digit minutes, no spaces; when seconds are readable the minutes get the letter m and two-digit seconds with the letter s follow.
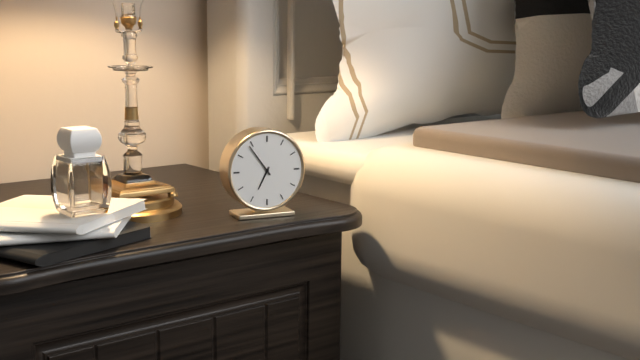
6h54
